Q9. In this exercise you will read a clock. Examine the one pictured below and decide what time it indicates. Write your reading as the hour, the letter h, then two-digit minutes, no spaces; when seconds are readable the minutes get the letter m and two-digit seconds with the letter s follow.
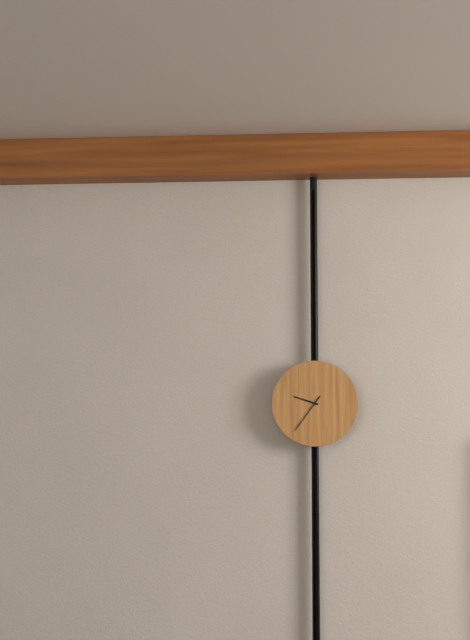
9h36
